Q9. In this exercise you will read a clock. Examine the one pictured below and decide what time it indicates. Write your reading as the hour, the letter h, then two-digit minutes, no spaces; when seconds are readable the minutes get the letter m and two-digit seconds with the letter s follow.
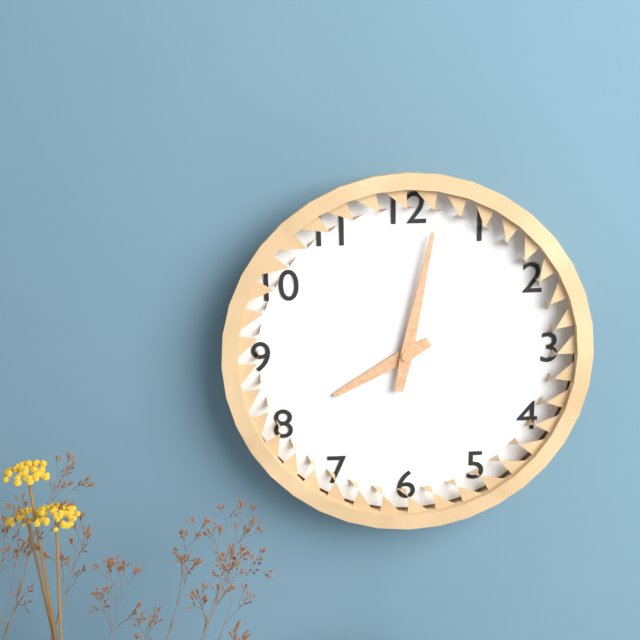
8h02
